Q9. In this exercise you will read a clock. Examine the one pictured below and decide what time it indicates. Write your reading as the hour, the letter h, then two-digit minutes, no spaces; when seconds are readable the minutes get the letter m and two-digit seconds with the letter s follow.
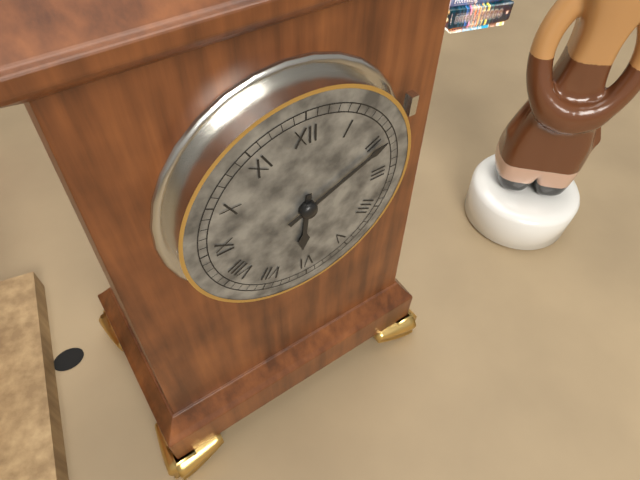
6h11
